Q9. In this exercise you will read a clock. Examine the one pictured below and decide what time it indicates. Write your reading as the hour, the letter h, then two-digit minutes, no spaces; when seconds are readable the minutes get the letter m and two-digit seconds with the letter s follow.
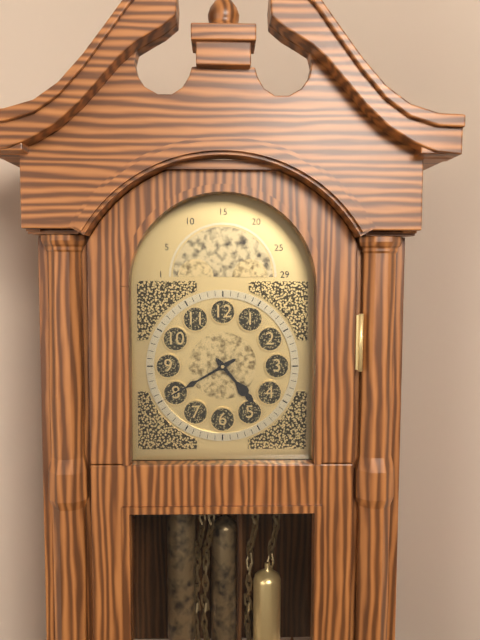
4h40
